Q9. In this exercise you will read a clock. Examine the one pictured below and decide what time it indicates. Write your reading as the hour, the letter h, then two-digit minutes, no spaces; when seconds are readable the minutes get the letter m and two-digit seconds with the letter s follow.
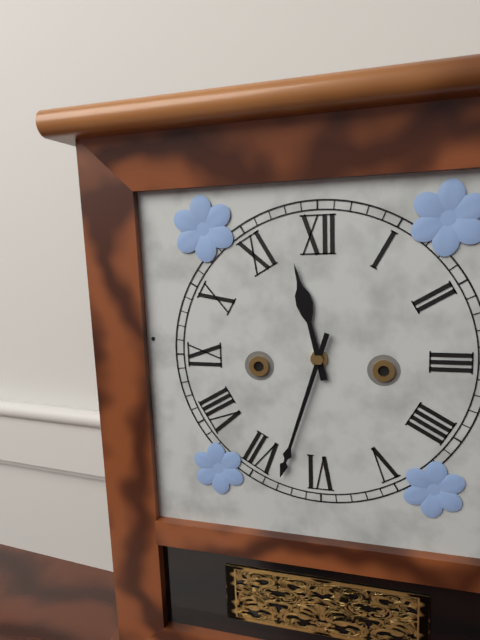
11h33
